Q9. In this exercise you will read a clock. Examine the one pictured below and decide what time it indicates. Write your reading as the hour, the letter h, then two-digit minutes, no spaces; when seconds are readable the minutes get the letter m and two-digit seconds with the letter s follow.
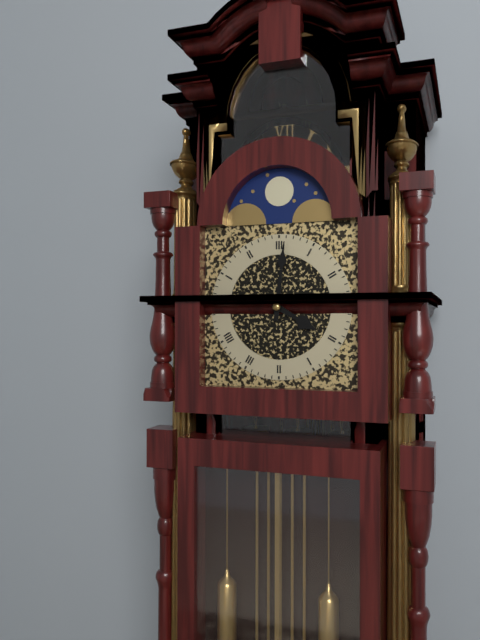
4h01
